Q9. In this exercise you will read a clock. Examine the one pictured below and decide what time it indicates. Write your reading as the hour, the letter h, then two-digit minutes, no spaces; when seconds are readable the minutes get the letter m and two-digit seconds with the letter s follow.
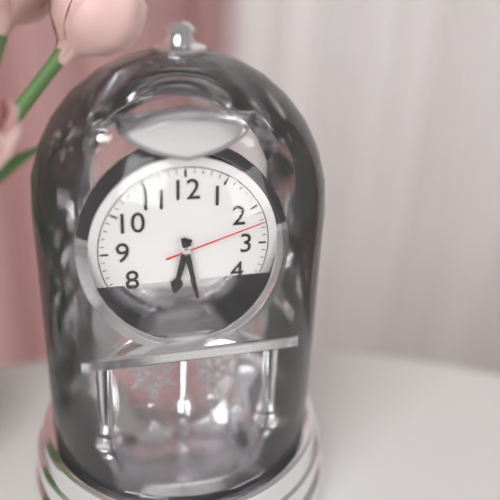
6h28m12s
